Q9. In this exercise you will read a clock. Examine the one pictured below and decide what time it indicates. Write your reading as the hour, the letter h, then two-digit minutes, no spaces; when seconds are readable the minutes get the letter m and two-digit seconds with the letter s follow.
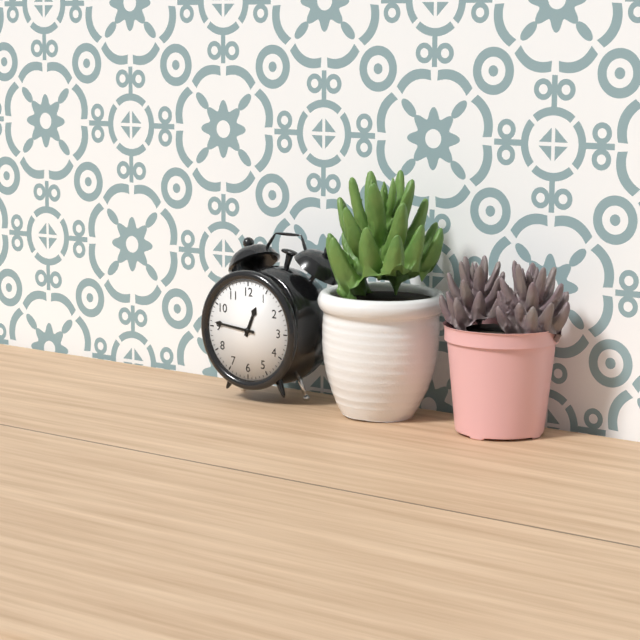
12h46
